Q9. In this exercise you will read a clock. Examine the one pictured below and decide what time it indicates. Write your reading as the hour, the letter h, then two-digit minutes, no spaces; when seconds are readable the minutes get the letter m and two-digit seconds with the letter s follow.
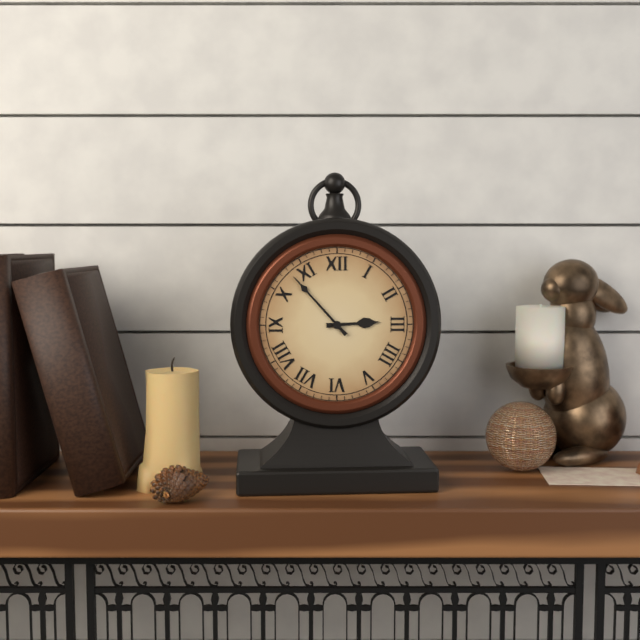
2h53
